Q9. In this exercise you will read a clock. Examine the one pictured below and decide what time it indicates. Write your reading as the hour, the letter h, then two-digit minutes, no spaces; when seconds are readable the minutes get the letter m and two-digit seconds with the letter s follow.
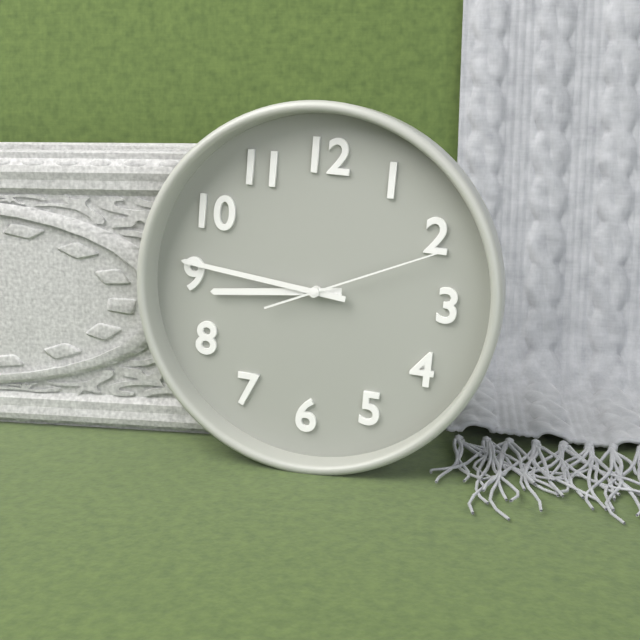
8h46m11s
